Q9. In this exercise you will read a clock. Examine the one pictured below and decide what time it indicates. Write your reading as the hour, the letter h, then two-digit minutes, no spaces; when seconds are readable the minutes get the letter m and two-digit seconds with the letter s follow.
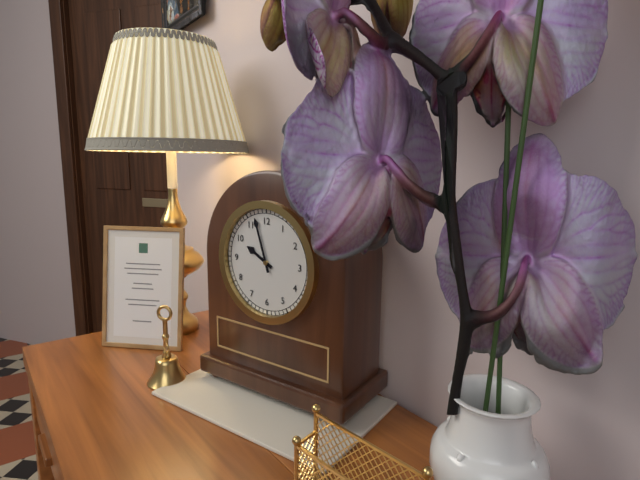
9h57
